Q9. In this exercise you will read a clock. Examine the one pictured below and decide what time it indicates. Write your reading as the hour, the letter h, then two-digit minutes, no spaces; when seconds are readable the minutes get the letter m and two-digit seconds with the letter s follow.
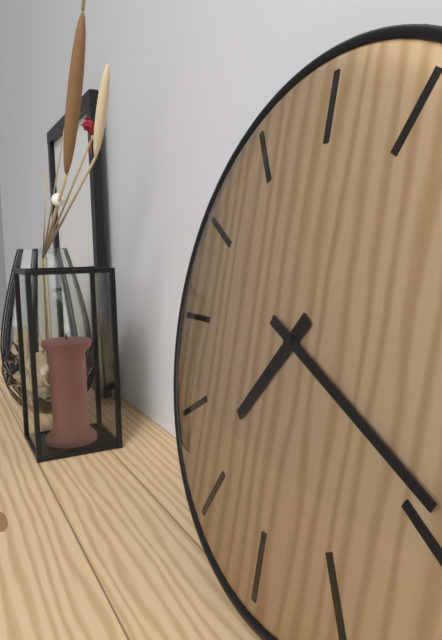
7h19
